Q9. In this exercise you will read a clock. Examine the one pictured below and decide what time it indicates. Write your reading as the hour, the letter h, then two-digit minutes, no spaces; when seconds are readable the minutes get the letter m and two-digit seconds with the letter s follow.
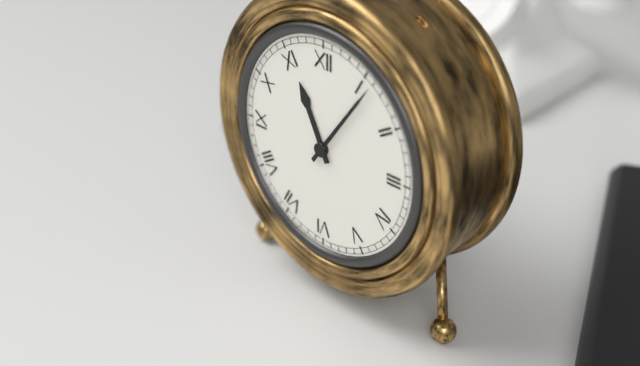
11h06
